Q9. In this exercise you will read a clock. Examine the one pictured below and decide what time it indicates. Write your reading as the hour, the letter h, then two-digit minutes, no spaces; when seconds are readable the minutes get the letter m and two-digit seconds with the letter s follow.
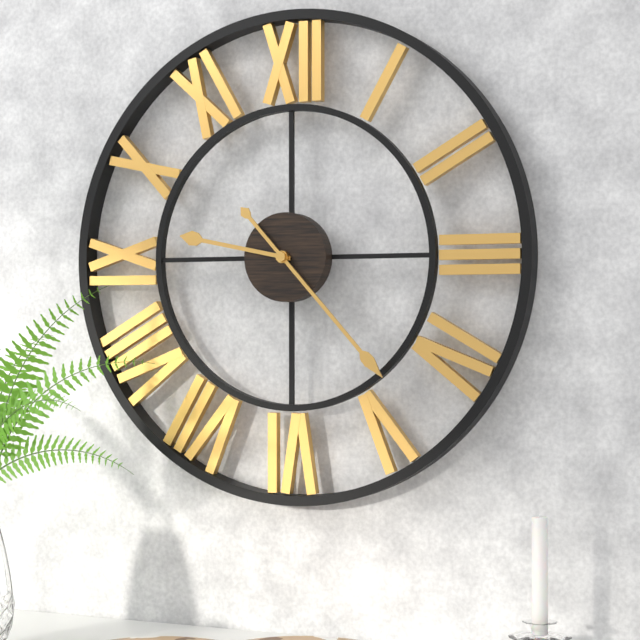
9h23
